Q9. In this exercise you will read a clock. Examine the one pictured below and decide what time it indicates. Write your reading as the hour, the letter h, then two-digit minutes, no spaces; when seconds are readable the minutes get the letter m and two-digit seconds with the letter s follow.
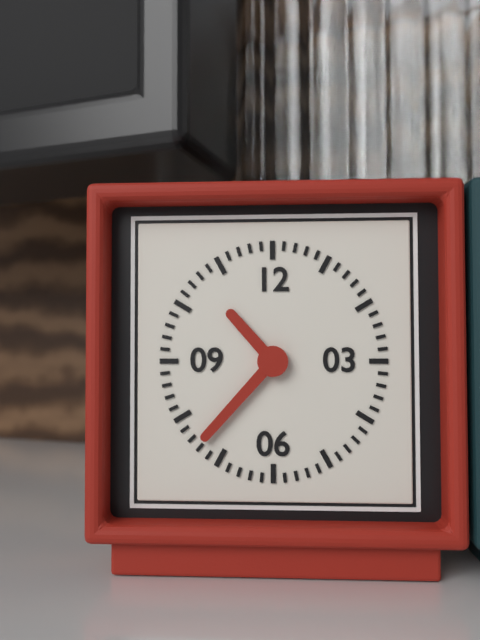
10h37
